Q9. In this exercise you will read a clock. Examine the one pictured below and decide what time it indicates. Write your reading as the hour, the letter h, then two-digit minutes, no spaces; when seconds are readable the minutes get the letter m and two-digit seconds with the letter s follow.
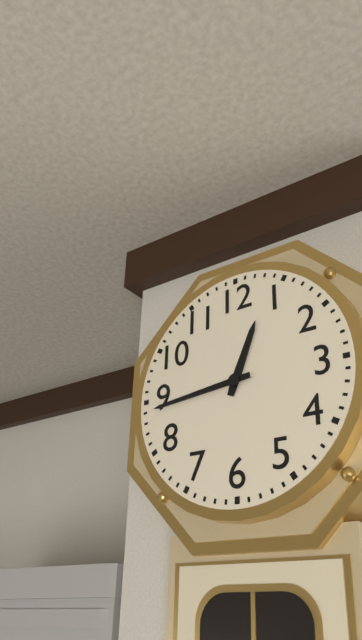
12h44
